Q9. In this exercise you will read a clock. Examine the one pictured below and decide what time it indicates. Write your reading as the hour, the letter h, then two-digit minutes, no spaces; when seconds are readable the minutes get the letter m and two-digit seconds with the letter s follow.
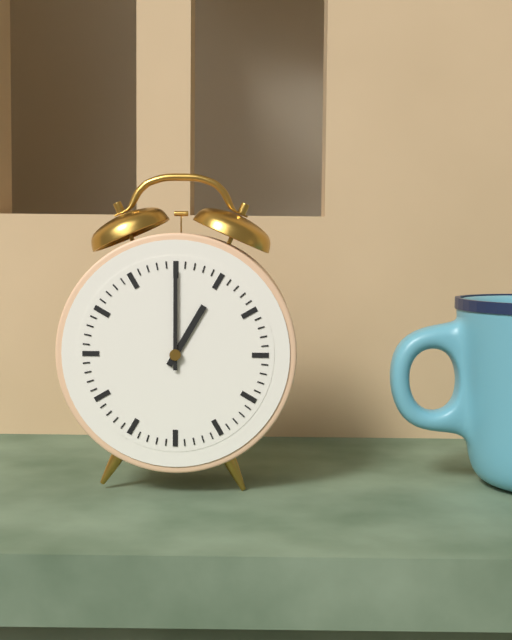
1h00
